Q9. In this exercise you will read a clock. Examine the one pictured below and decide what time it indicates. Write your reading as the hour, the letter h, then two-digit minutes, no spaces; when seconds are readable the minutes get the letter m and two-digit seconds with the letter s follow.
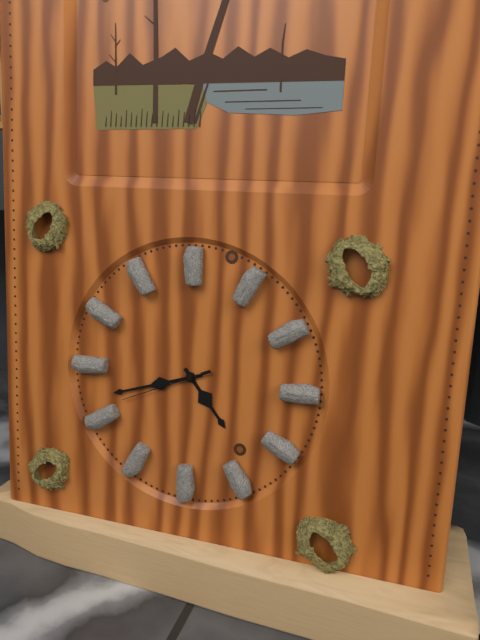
4h42m41s
